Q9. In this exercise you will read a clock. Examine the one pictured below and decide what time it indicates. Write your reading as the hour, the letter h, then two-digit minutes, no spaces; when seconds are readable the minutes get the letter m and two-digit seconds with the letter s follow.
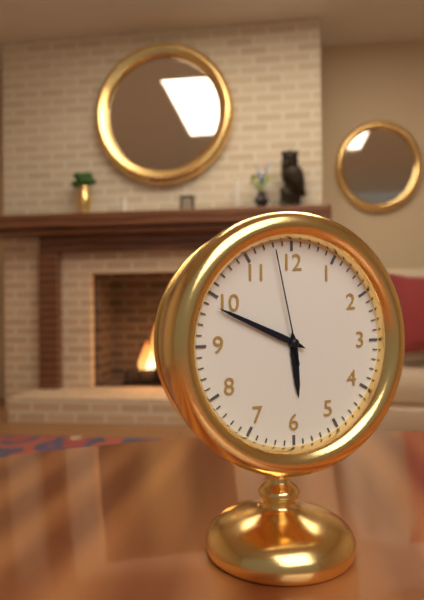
5h49m58s
